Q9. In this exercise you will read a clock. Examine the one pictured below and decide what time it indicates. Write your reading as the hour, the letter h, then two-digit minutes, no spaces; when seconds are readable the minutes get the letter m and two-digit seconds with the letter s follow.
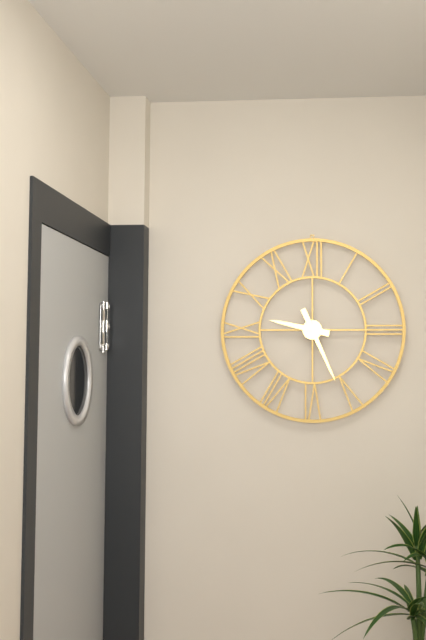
9h26
